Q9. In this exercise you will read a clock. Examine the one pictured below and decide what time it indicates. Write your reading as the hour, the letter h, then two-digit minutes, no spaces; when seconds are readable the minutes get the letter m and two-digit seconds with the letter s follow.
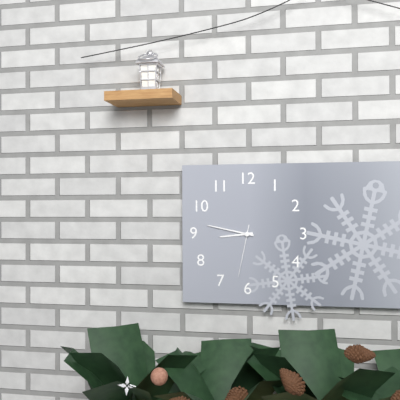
8h47m32s
